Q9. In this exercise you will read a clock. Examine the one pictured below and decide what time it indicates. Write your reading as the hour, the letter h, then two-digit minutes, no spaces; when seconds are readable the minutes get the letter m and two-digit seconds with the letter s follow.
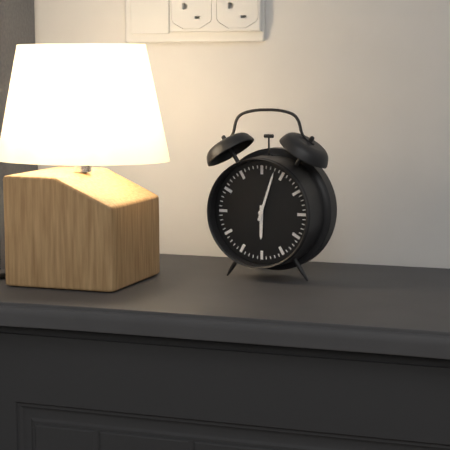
6h03
